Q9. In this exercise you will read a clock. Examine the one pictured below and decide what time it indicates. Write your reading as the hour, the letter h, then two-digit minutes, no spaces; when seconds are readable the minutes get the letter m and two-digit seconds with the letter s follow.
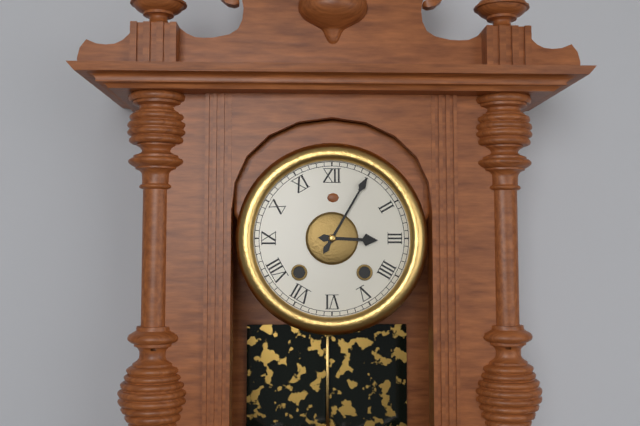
3h05
